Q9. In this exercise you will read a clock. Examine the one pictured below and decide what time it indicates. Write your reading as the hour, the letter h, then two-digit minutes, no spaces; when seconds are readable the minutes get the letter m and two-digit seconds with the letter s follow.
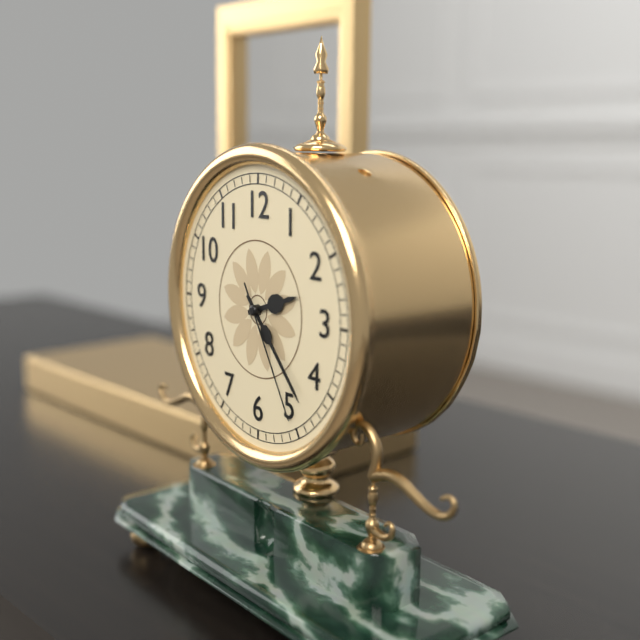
2h23m25s
